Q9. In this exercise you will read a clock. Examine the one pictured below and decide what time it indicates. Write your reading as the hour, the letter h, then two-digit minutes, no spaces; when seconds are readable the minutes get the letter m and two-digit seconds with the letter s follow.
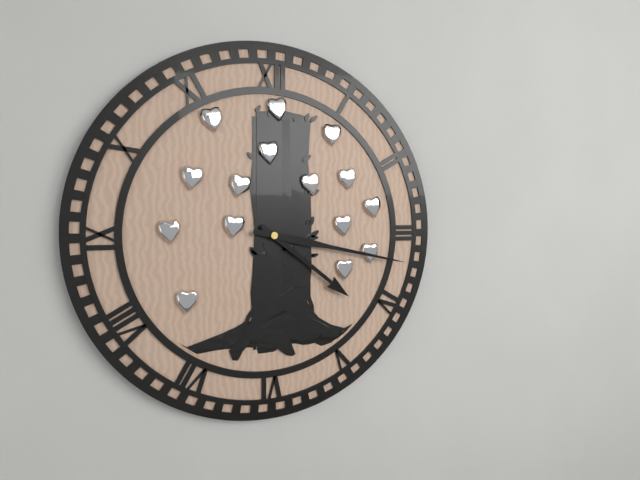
4h17
